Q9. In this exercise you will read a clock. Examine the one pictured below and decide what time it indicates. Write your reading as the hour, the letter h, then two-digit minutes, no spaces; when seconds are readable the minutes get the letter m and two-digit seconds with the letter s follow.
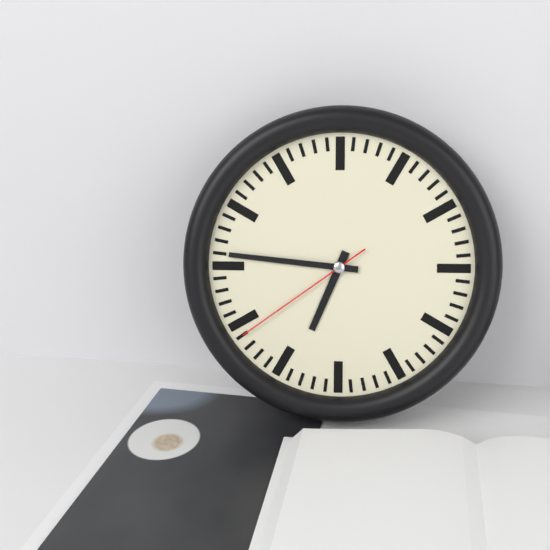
6h46m39s
